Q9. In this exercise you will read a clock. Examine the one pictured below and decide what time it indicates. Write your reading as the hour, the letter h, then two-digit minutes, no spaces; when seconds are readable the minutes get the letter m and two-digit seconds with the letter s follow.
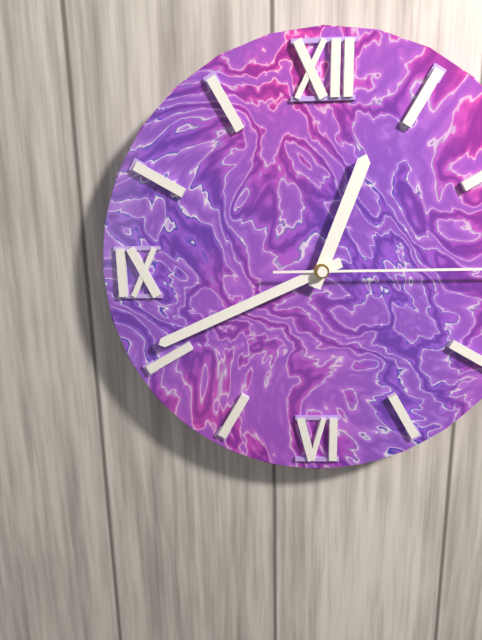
12h41
